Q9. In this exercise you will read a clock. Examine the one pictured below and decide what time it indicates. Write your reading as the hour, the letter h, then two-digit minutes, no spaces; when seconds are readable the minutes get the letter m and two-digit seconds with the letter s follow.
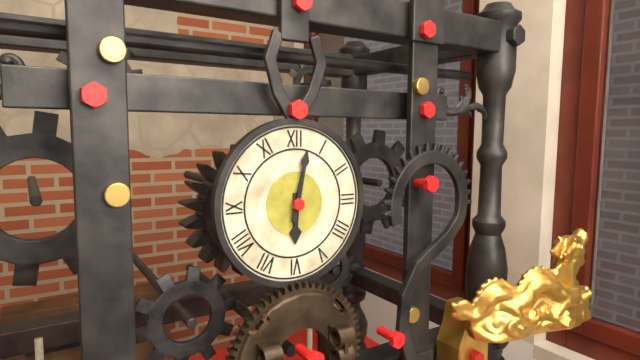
6h02
